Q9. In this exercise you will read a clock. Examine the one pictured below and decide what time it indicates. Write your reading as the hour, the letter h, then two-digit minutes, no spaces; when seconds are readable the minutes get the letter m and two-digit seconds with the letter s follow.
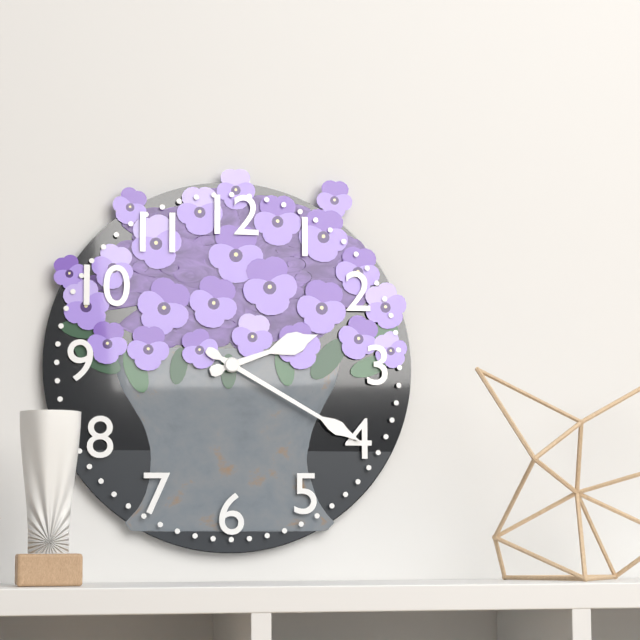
2h20
